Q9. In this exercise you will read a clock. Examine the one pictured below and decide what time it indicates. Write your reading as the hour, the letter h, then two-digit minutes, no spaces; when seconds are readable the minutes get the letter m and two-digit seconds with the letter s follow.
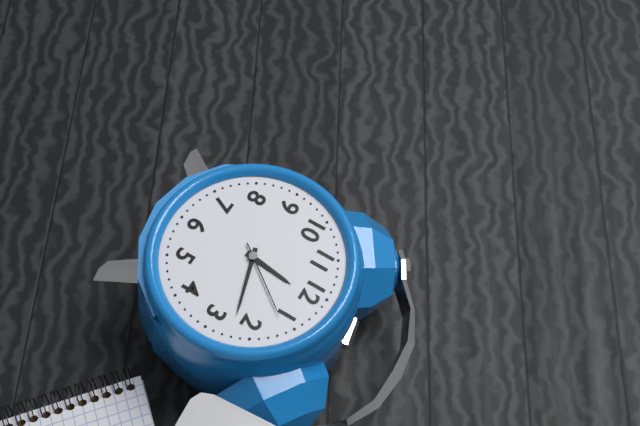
12h12m06s
